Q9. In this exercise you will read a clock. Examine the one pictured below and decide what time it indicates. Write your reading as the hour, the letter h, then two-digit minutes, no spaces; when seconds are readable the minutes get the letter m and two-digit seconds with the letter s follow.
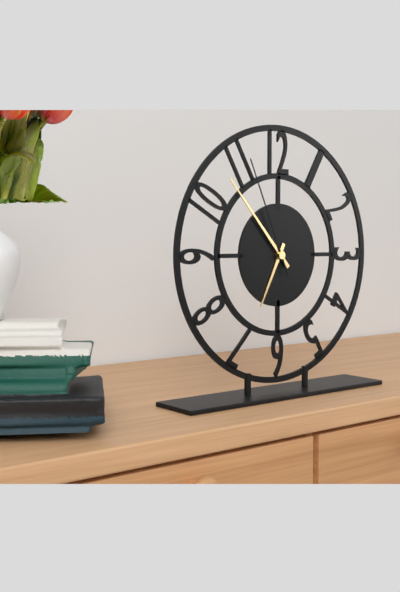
6h53m56s
